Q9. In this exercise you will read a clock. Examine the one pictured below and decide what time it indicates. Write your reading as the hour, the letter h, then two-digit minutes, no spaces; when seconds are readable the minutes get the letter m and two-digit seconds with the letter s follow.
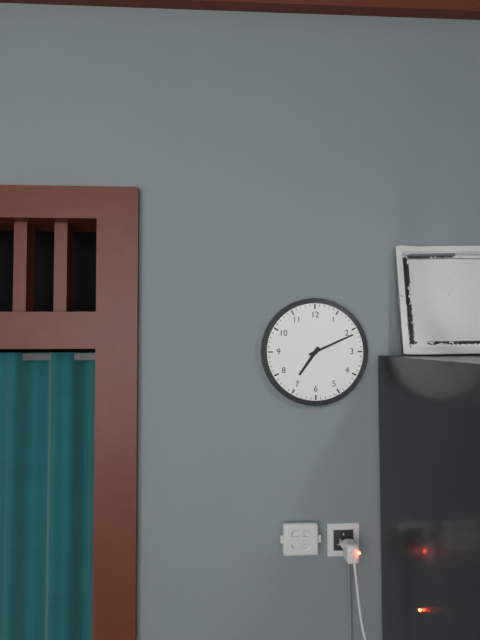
7h11
